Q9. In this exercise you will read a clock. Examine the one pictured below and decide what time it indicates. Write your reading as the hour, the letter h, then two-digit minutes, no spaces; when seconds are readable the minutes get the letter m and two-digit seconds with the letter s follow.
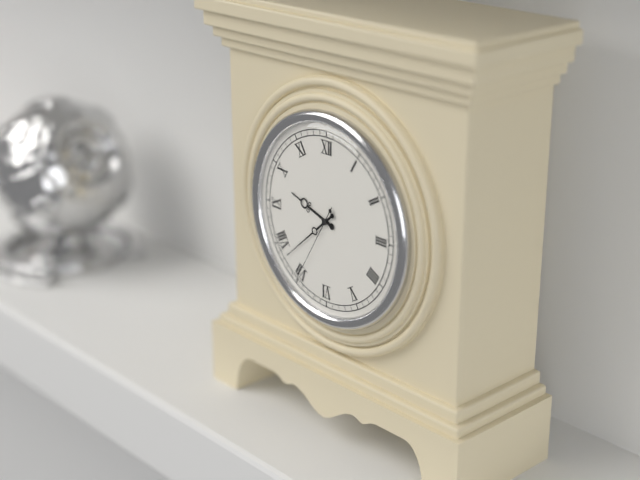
9h38m35s
